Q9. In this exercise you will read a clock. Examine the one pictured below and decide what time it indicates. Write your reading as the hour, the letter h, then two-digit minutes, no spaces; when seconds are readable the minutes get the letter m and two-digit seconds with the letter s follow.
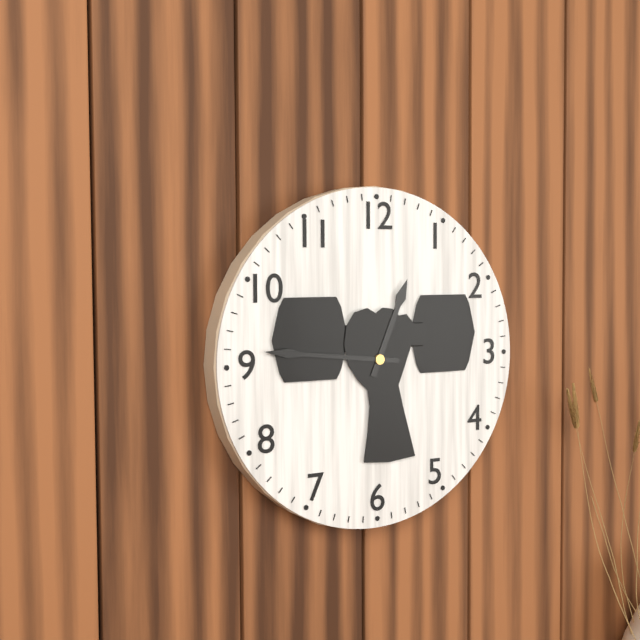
12h46
